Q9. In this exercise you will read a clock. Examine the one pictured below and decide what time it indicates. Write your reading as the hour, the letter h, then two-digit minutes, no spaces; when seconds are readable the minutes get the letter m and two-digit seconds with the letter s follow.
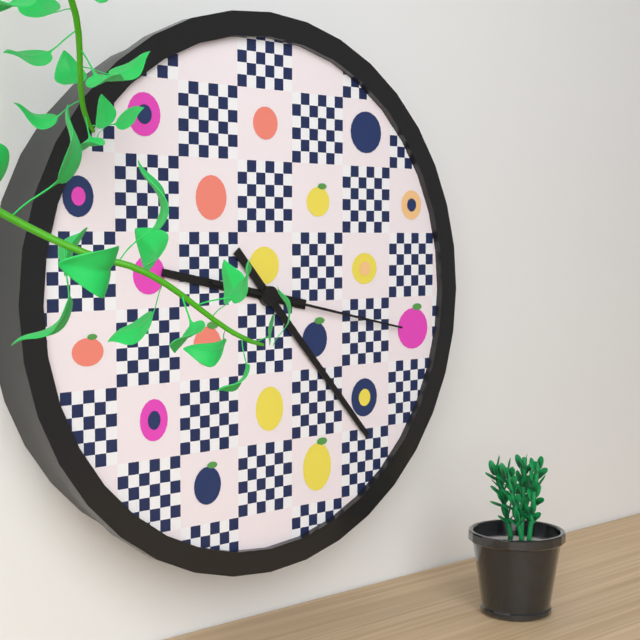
9h23m17s
